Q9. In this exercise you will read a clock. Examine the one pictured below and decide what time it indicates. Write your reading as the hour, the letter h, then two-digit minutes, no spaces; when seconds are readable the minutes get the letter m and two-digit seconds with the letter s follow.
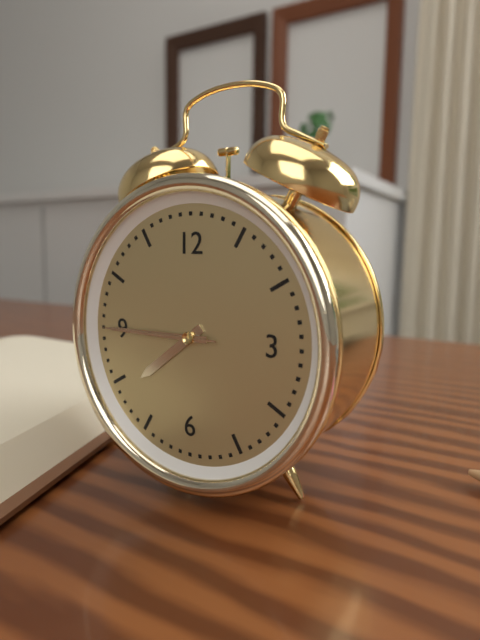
7h45m45s
